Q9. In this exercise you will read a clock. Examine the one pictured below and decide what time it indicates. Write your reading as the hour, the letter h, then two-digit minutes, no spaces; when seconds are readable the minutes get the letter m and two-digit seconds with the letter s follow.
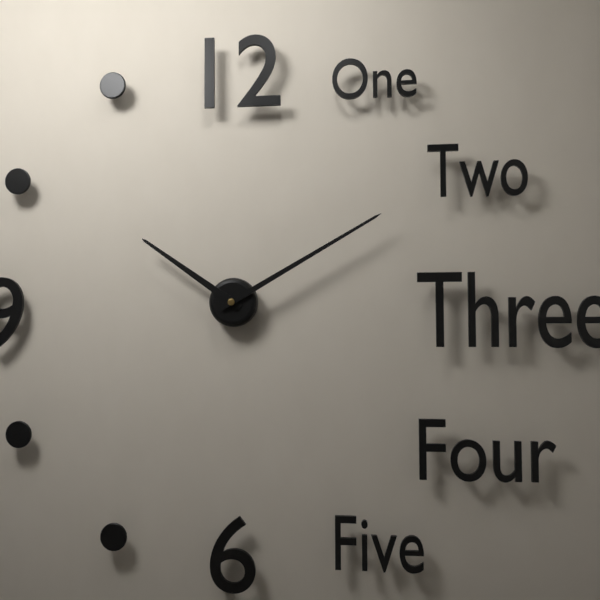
10h10
